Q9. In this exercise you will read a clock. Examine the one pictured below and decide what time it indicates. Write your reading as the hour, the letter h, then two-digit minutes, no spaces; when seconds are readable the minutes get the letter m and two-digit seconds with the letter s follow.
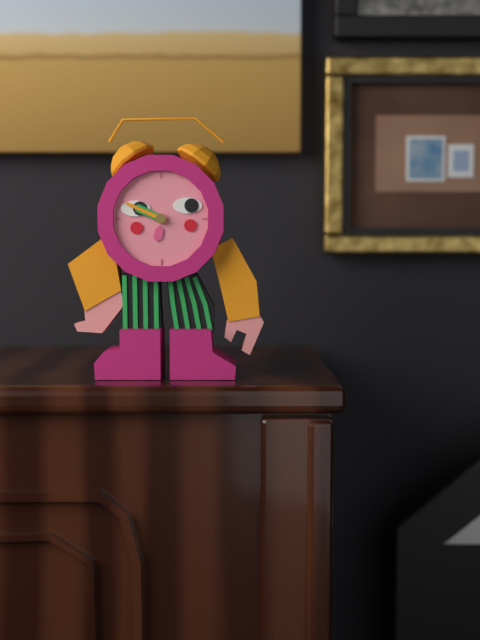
9h49
